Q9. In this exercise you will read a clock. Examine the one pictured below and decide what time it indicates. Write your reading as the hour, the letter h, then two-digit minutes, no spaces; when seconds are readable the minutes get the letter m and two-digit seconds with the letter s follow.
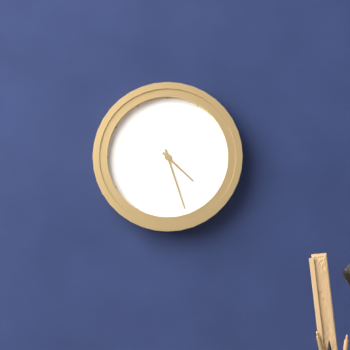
4h27
